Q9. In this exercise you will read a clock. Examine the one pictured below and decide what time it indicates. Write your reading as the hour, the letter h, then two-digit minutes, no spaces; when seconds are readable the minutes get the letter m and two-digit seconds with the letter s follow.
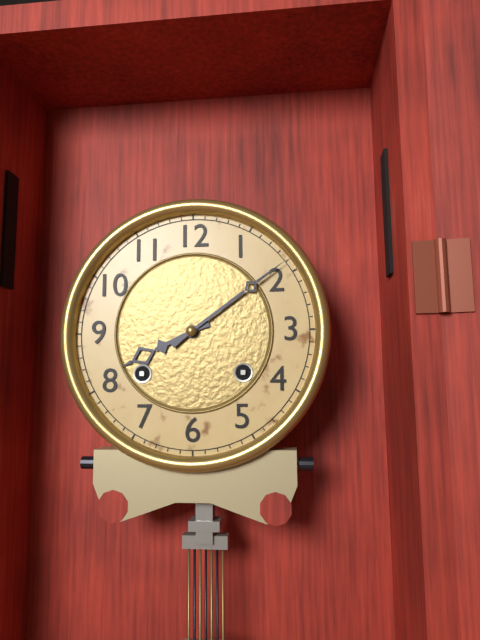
8h09
